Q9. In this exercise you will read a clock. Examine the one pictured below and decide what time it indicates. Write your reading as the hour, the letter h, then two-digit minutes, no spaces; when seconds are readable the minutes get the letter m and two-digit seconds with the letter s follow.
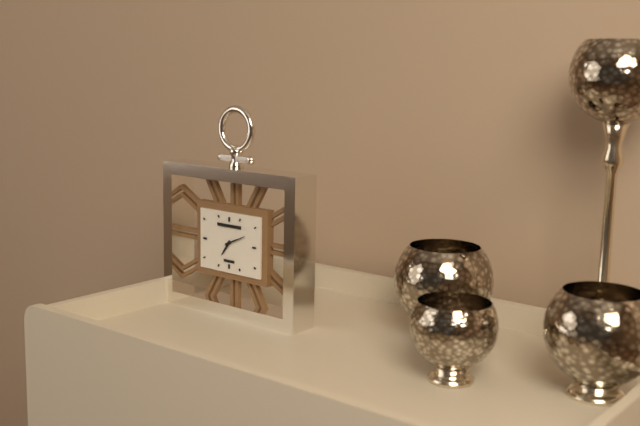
7h11
